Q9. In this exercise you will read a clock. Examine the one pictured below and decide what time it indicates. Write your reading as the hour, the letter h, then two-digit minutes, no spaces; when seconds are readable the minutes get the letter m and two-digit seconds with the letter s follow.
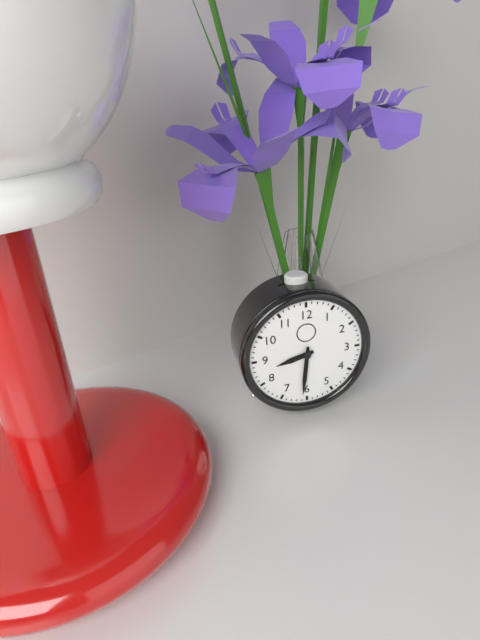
8h31
